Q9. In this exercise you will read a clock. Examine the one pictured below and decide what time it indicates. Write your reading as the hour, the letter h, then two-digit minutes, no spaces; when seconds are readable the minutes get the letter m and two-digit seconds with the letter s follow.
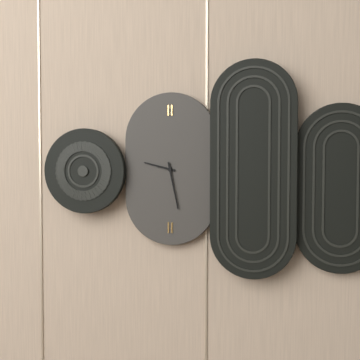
9h28
